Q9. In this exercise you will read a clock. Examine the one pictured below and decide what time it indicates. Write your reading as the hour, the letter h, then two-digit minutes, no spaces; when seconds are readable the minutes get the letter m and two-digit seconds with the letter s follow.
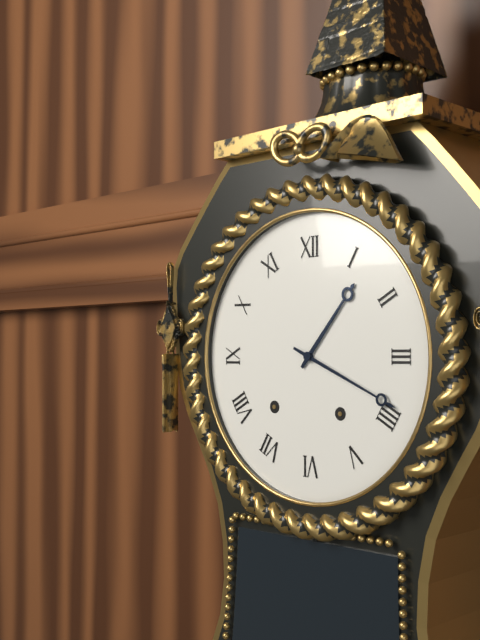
1h19
